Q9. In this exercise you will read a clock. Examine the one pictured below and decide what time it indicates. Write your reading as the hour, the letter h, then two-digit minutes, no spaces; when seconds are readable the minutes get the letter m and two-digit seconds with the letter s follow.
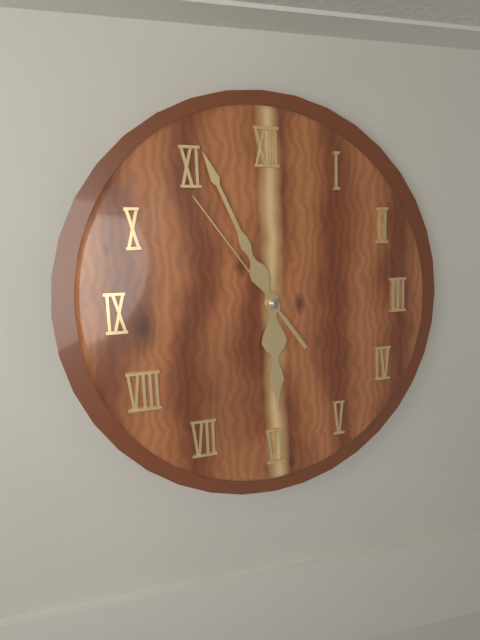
5h56m54s
